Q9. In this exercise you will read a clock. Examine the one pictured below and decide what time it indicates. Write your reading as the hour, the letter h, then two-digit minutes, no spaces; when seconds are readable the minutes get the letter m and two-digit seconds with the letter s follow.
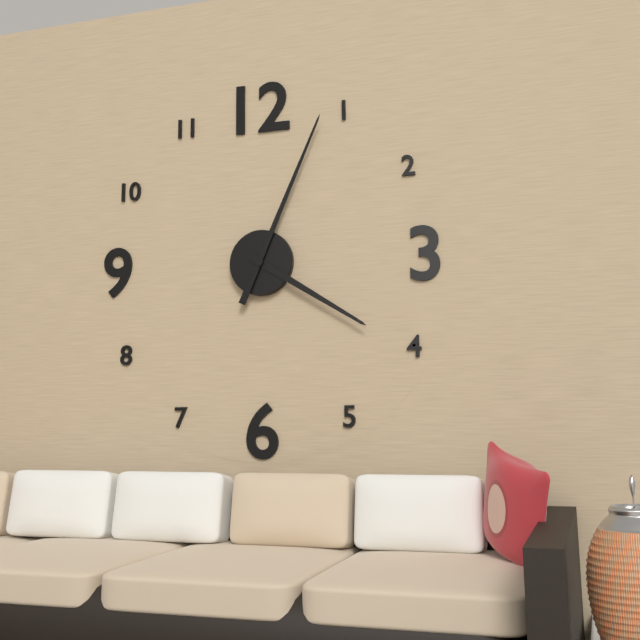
4h04
